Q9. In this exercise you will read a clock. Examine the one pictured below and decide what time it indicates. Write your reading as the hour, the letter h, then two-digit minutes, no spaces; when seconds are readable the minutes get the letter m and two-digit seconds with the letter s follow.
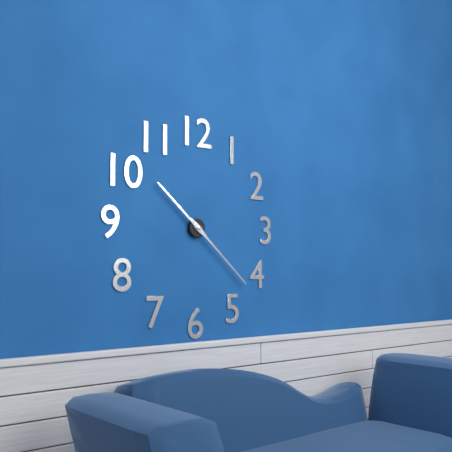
10h22
